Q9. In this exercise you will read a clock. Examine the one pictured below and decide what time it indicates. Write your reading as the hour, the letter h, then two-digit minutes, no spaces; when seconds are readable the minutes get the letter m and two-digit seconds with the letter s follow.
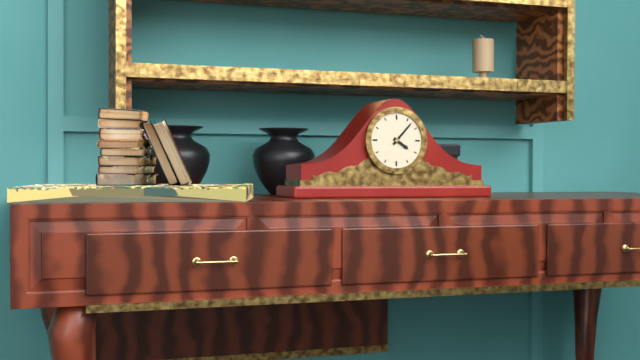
4h07
